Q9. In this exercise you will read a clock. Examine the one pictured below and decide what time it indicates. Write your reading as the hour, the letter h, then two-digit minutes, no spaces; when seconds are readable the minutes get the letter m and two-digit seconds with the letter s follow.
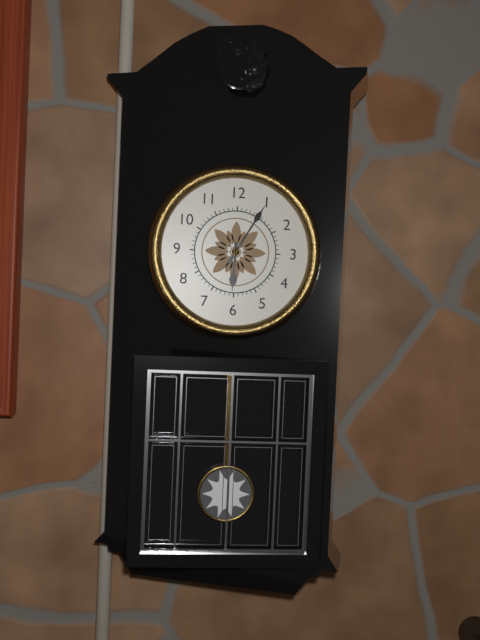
6h05
